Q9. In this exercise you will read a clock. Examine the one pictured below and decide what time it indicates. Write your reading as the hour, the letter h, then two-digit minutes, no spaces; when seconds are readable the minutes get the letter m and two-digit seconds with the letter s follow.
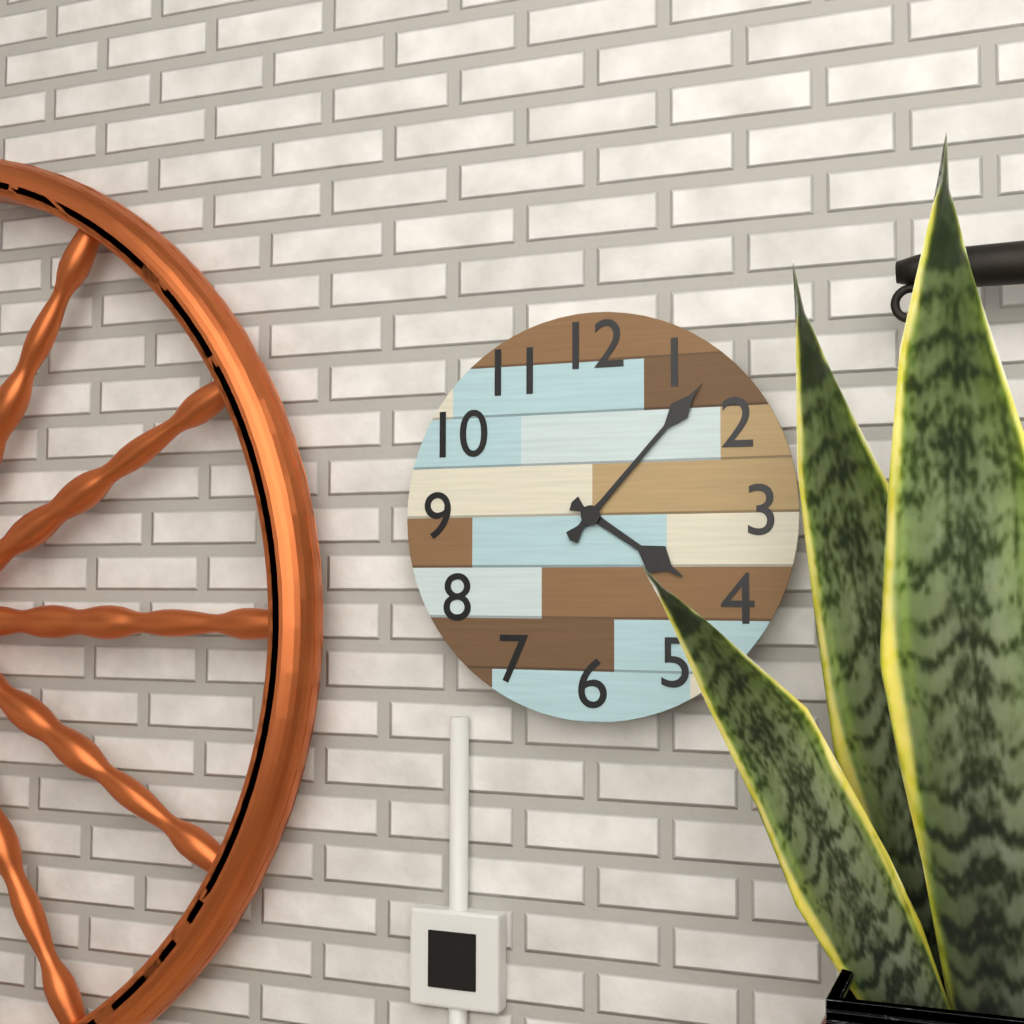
4h07
